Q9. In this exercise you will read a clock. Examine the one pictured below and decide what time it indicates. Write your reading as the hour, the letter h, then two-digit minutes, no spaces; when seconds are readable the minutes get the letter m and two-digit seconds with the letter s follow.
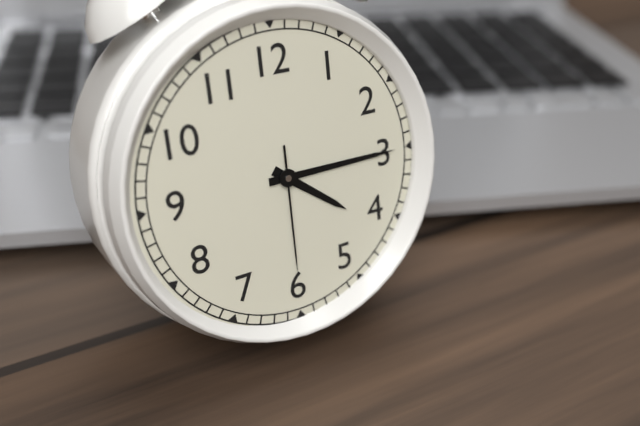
4h15m30s
